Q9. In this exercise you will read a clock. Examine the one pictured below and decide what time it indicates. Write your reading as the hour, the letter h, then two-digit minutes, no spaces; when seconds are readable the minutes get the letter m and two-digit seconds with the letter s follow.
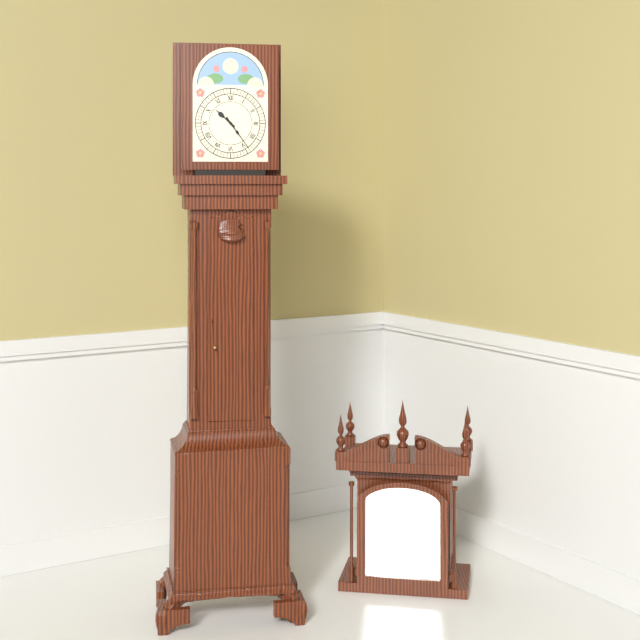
10h24
